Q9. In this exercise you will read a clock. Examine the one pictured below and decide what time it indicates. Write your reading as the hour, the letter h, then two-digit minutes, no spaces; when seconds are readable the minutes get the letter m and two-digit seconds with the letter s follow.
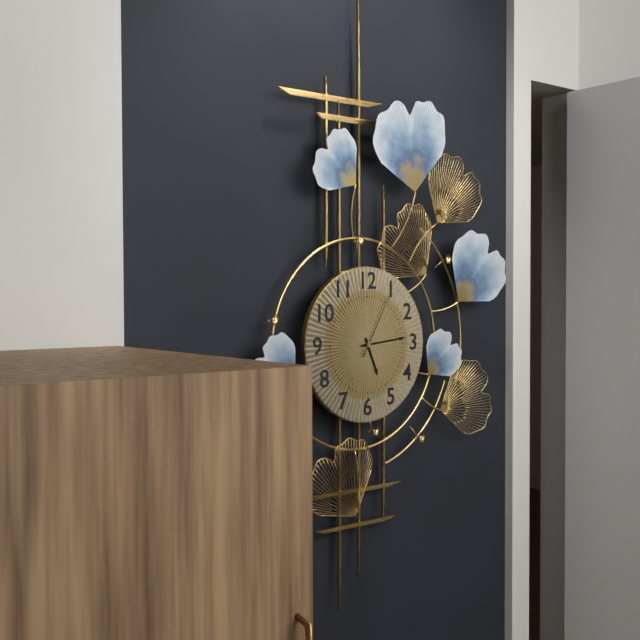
5h14m05s
